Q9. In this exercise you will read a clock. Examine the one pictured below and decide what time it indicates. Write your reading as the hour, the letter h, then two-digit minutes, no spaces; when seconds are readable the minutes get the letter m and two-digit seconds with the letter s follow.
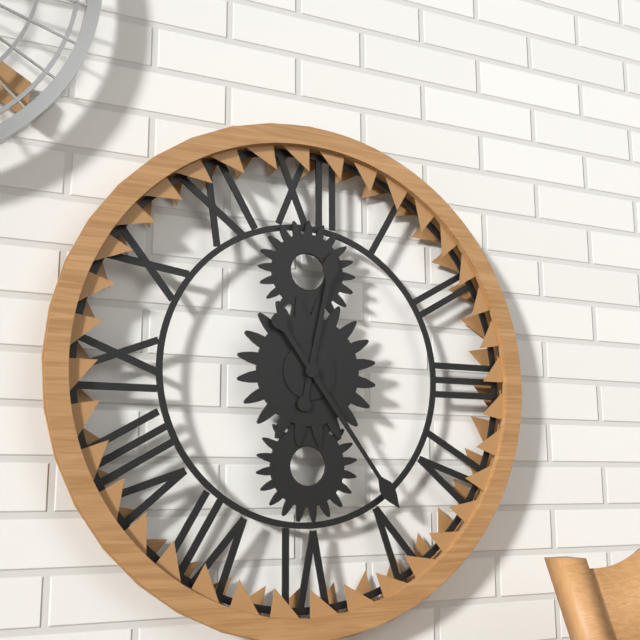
12h24
